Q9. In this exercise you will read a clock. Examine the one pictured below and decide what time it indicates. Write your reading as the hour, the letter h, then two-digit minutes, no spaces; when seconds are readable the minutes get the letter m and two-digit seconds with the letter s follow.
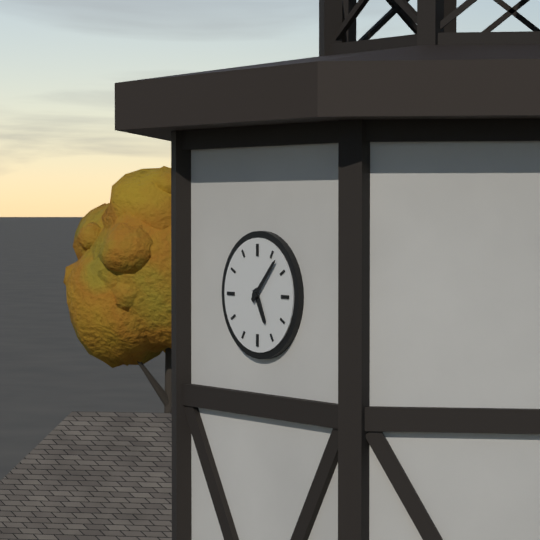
5h07
